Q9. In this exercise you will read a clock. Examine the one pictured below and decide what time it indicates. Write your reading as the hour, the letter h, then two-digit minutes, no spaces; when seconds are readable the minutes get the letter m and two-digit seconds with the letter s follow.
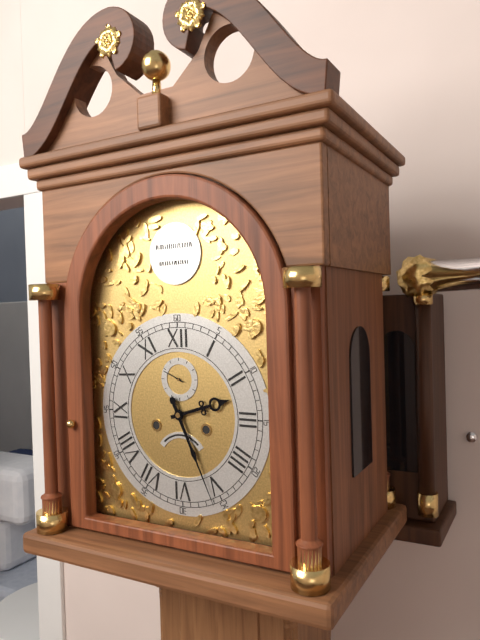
2h26
